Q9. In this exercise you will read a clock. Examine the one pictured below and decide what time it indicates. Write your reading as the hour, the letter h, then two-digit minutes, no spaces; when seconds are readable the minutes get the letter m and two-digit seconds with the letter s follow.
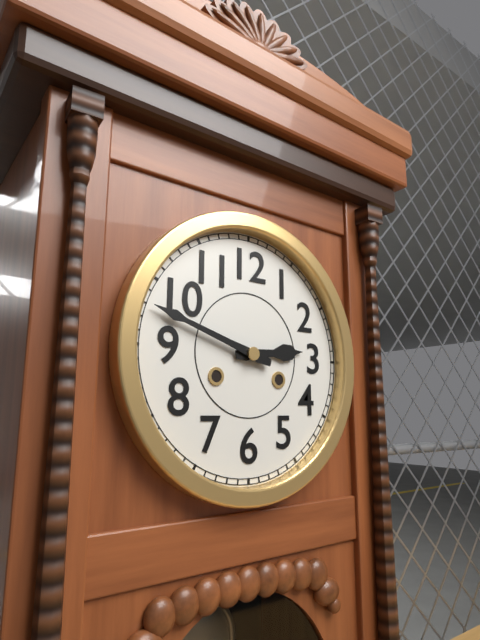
2h48
